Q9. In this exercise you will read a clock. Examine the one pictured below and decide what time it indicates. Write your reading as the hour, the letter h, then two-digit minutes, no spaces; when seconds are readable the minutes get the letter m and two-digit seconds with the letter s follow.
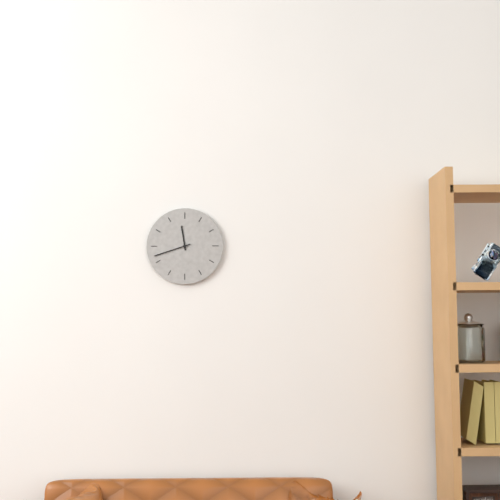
11h42
